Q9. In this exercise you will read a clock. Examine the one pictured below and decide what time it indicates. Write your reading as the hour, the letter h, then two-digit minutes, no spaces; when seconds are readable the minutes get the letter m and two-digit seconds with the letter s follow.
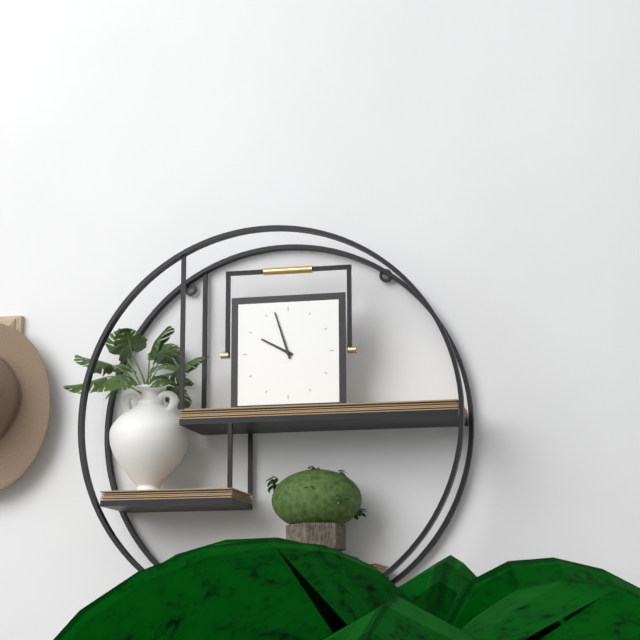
9h57
